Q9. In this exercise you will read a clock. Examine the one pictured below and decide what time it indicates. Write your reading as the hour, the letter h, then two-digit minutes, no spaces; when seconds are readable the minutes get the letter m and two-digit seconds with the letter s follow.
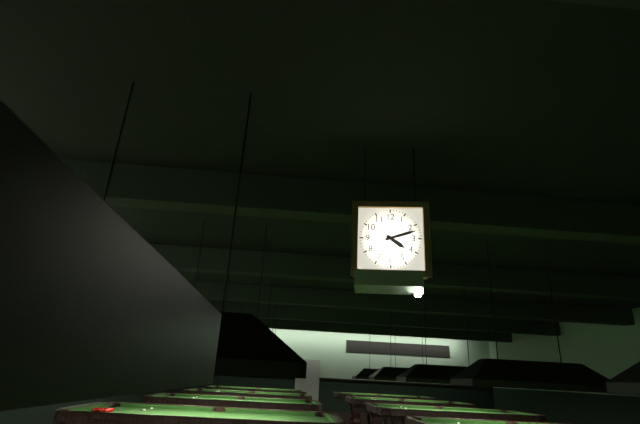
4h12
